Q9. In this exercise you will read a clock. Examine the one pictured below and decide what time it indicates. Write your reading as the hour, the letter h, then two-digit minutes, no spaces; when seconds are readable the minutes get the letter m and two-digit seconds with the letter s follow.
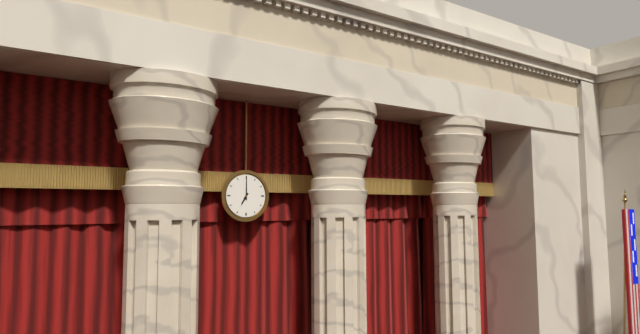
7h00
